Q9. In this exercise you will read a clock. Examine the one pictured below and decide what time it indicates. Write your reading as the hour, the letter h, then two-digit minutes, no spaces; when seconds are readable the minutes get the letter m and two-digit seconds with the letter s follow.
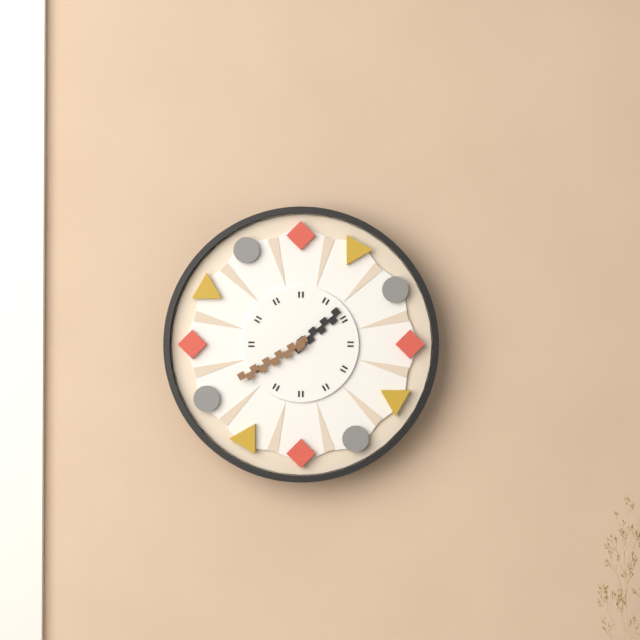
1h40
